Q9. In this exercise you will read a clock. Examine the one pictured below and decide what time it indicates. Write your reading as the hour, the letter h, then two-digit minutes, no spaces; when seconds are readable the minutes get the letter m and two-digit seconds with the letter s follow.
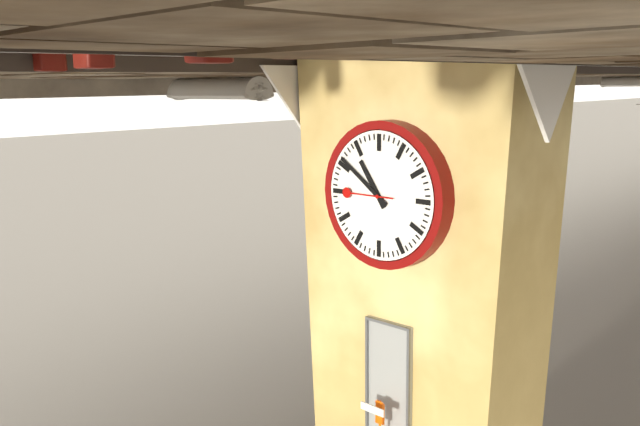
10h51
